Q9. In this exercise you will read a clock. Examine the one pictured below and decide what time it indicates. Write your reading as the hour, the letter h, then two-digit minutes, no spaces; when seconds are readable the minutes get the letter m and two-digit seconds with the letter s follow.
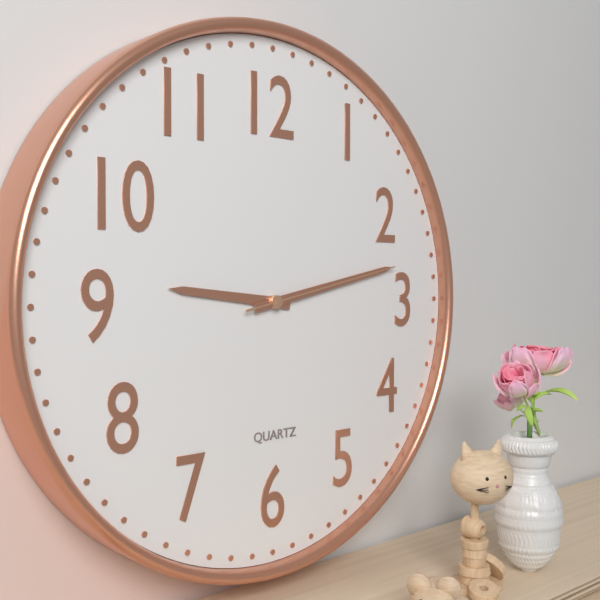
9h13m13s
